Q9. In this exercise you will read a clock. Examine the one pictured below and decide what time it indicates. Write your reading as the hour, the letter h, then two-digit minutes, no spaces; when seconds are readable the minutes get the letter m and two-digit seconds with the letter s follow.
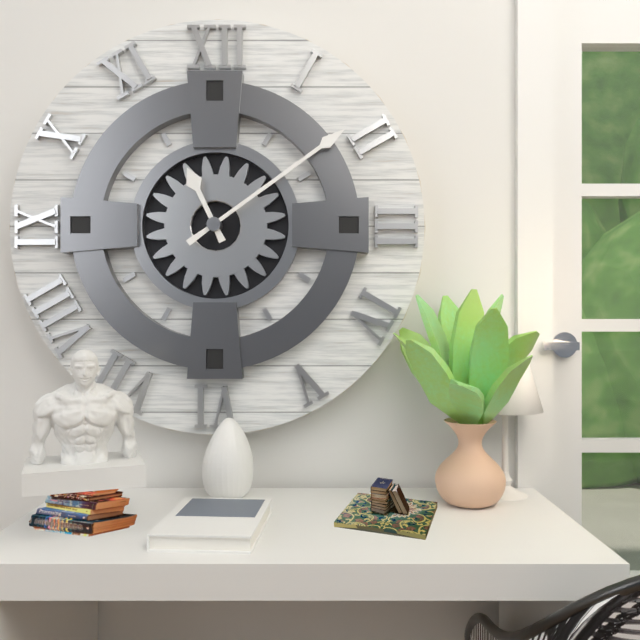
11h09
